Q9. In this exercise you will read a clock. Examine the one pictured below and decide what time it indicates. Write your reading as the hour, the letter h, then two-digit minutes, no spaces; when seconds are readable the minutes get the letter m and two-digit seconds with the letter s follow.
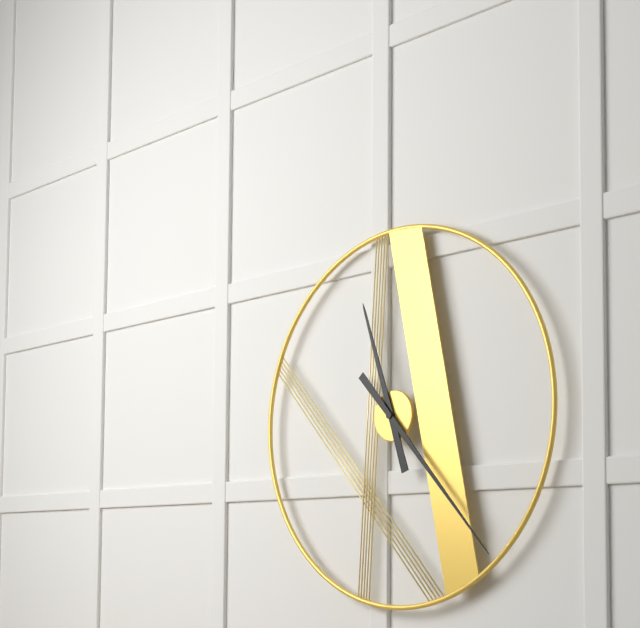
11h23
